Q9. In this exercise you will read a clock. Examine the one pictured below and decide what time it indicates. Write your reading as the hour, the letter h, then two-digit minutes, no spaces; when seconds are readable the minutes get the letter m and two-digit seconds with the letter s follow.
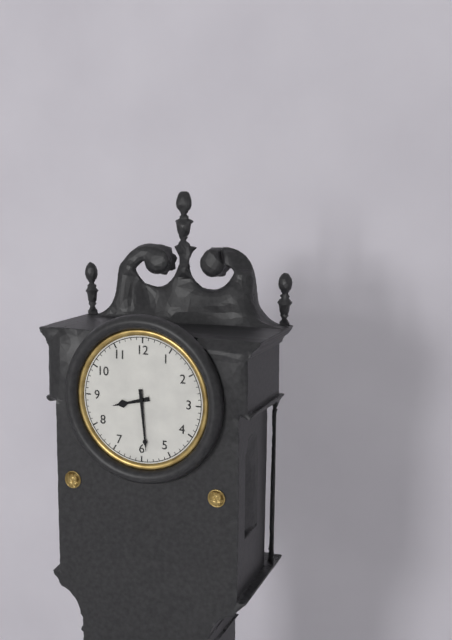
8h29
